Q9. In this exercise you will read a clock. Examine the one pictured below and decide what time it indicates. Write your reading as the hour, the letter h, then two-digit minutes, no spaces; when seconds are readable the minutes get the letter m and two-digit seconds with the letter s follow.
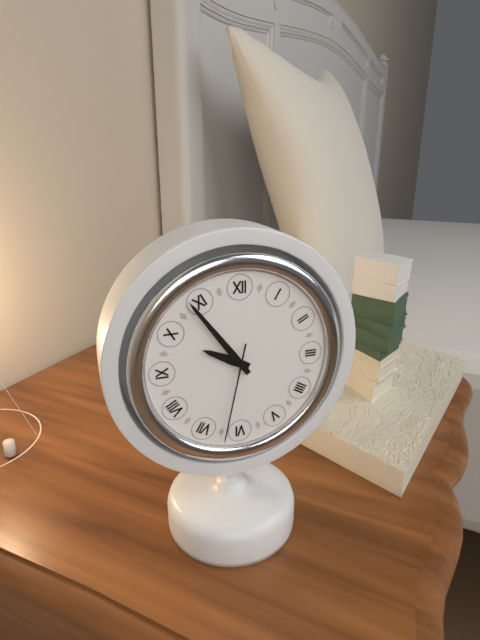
9h54m32s
